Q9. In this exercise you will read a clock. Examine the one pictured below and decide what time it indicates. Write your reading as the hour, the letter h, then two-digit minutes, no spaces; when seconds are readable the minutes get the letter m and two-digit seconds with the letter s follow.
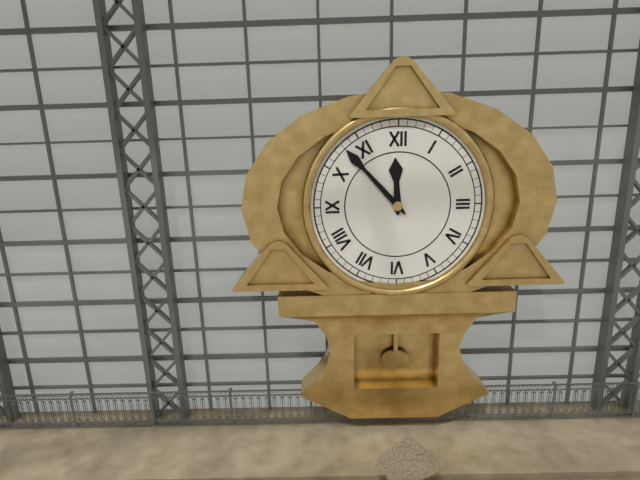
11h53
